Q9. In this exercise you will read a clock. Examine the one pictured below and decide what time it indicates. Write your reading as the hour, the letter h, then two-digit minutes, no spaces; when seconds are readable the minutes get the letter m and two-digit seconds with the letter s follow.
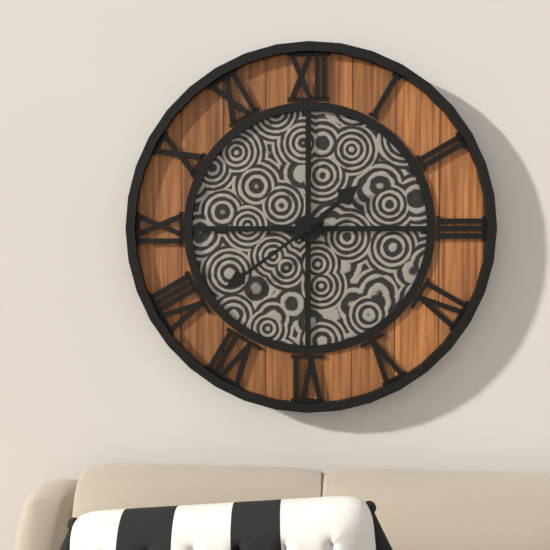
1h39
